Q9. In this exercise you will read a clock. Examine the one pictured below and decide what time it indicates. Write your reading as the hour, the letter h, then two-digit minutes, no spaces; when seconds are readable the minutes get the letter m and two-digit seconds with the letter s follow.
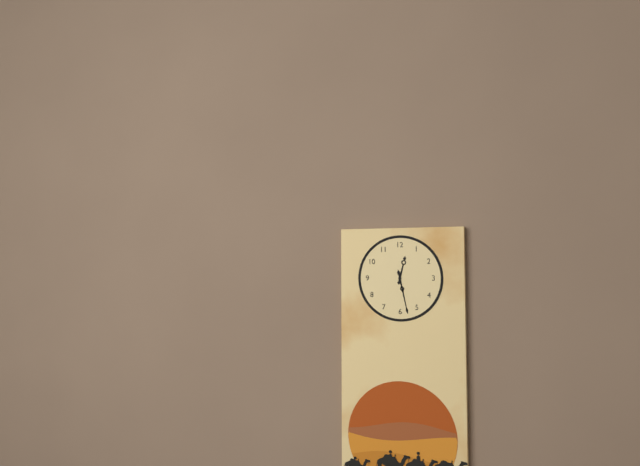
12h28
